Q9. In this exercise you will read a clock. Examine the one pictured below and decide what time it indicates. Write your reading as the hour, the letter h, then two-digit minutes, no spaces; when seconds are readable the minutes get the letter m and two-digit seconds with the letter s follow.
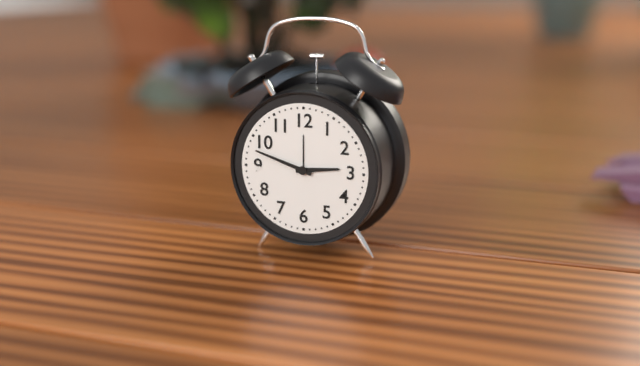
2h48
